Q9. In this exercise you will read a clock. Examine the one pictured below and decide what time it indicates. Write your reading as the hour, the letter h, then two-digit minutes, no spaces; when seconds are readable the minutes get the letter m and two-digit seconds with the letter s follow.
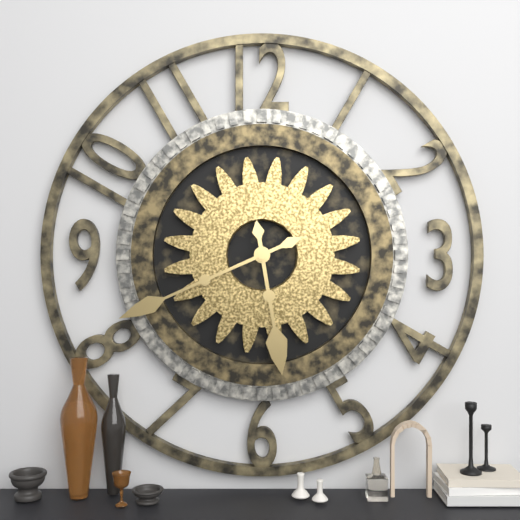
5h41
